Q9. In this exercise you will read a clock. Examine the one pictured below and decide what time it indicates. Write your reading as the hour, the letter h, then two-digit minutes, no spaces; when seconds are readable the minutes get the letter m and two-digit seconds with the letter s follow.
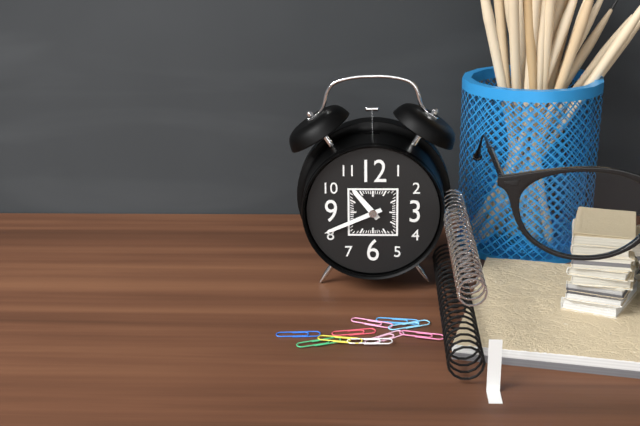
10h41
